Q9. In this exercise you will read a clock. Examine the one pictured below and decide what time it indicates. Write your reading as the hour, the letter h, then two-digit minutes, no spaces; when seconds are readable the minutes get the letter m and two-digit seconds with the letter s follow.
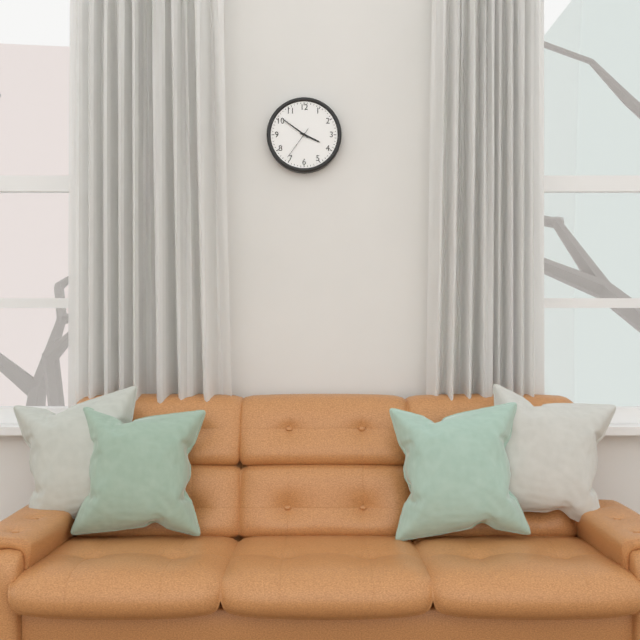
3h51
